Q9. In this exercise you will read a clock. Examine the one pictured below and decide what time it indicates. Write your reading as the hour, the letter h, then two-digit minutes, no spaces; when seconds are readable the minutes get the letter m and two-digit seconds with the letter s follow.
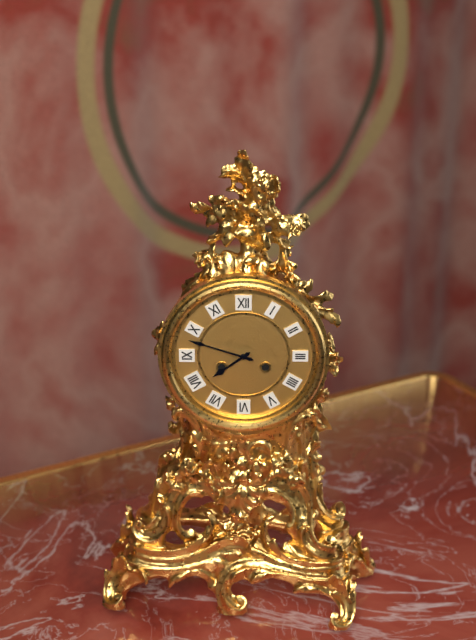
7h48
